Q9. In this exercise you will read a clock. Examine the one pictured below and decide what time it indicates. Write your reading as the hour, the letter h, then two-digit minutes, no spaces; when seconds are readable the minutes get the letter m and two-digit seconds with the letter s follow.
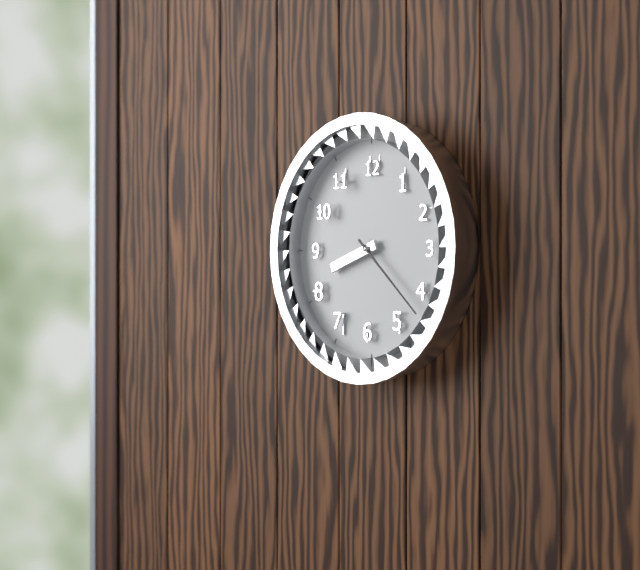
8h22
